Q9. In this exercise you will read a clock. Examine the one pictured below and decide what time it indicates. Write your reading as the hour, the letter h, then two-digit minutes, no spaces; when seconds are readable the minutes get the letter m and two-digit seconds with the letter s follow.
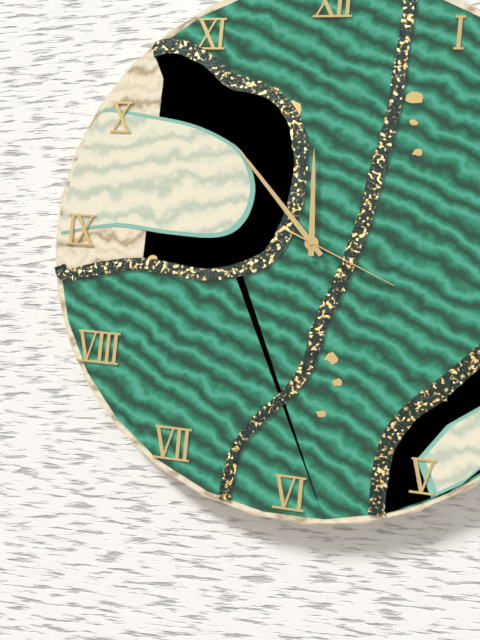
11h53m19s
